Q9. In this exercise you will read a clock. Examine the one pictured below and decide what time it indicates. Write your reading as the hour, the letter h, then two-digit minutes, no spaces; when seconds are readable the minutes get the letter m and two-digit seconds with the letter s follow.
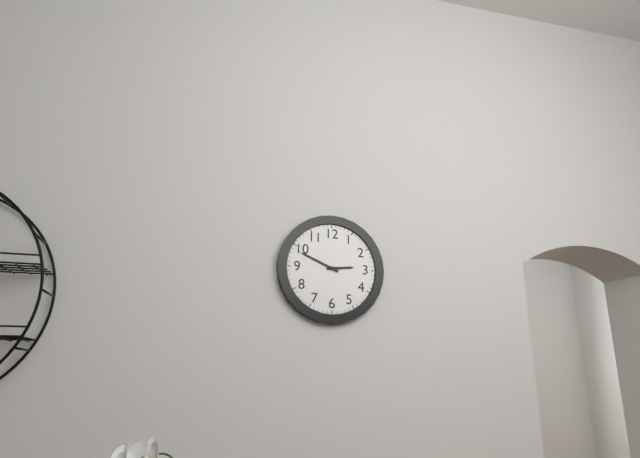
2h49
